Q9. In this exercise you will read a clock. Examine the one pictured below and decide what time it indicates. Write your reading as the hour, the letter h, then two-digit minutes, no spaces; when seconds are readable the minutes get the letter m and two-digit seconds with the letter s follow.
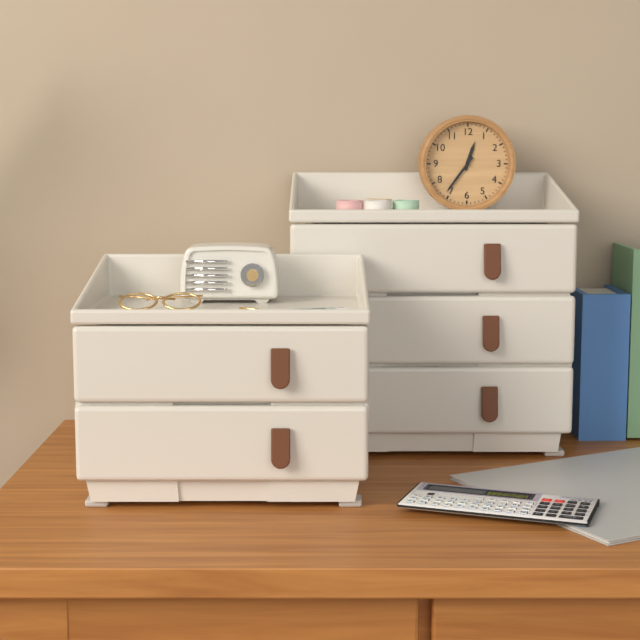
12h36
